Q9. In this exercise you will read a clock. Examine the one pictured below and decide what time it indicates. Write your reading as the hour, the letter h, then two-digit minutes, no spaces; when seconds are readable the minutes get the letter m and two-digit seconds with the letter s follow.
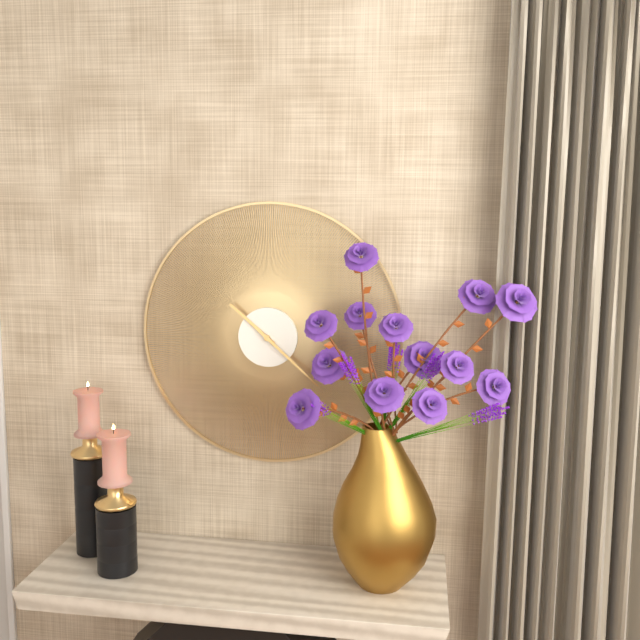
10h22
